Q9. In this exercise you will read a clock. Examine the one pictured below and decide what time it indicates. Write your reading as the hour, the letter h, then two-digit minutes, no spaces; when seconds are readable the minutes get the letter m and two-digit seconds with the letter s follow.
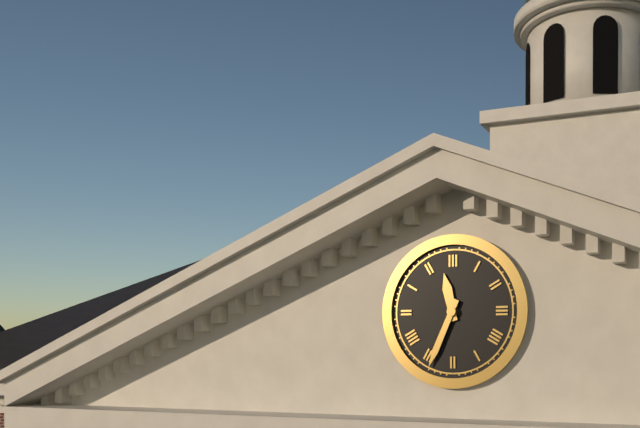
11h34
